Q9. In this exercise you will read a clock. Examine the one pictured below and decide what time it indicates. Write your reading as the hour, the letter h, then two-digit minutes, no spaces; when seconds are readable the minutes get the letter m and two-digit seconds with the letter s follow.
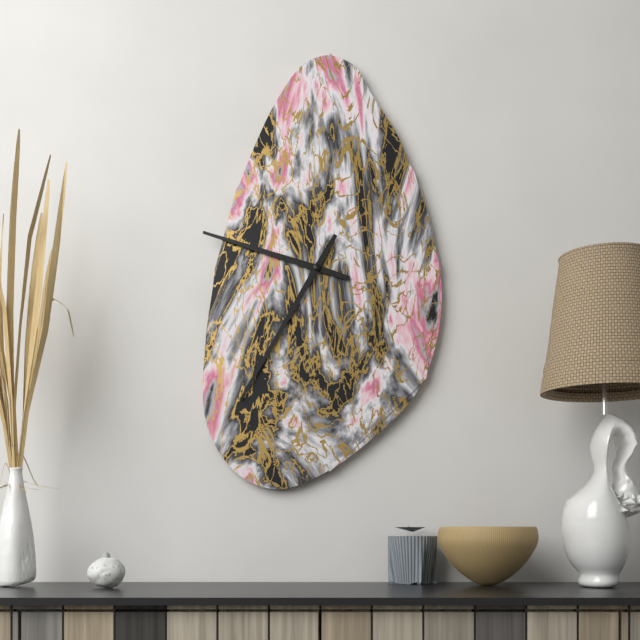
9h35
